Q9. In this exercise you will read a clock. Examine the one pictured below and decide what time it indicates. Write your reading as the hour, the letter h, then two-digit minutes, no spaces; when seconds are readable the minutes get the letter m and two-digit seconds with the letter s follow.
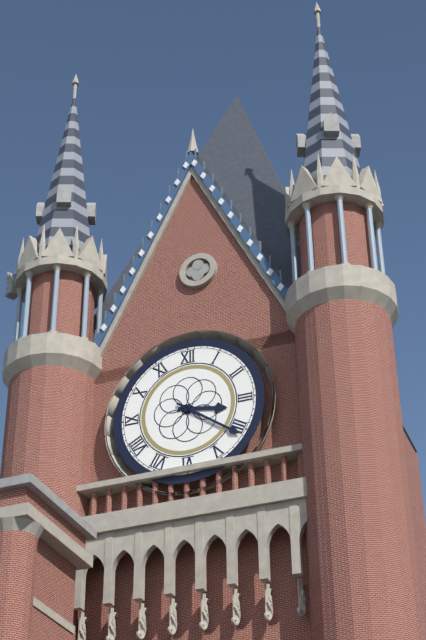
3h21
